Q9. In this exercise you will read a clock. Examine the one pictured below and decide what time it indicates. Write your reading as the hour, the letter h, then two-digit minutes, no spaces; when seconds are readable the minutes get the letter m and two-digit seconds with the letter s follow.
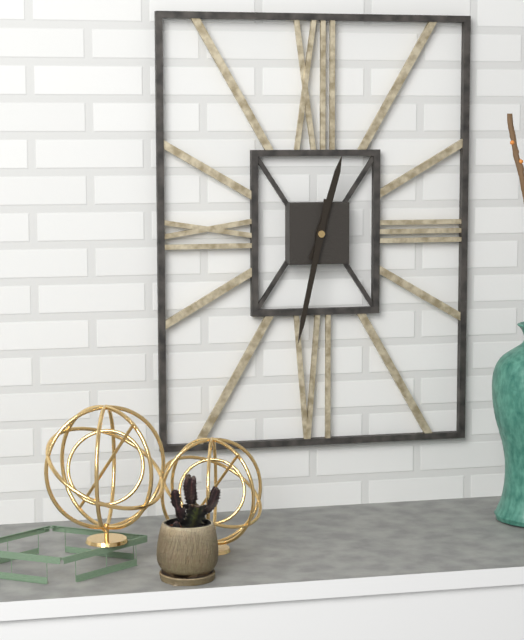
12h32
